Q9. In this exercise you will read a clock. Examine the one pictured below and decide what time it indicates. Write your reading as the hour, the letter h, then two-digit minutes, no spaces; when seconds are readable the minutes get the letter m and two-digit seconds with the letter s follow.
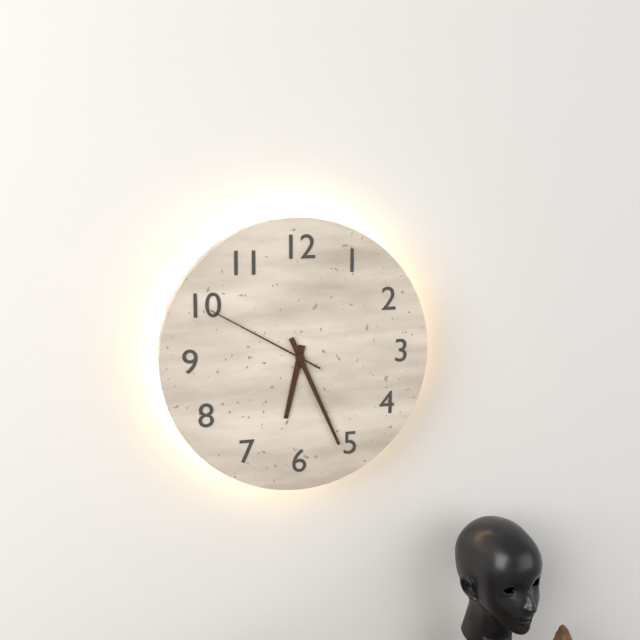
6h26m50s
